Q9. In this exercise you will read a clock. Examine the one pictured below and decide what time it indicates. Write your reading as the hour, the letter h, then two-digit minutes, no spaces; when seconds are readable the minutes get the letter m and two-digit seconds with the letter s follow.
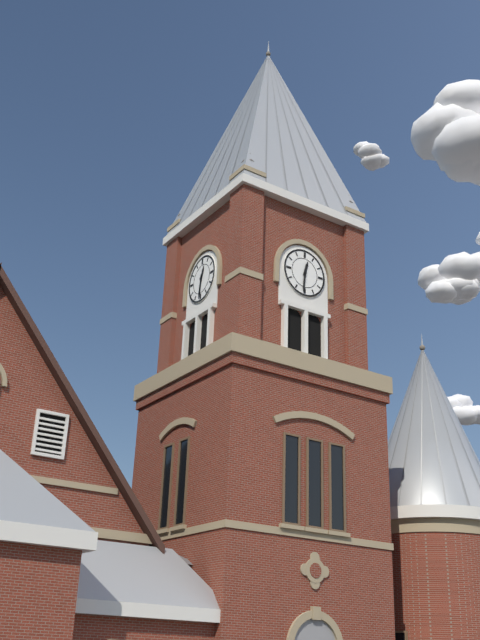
12h31
